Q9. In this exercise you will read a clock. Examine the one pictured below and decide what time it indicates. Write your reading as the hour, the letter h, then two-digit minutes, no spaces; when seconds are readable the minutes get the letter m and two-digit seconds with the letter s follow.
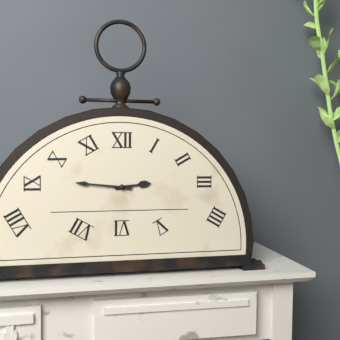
2h46
